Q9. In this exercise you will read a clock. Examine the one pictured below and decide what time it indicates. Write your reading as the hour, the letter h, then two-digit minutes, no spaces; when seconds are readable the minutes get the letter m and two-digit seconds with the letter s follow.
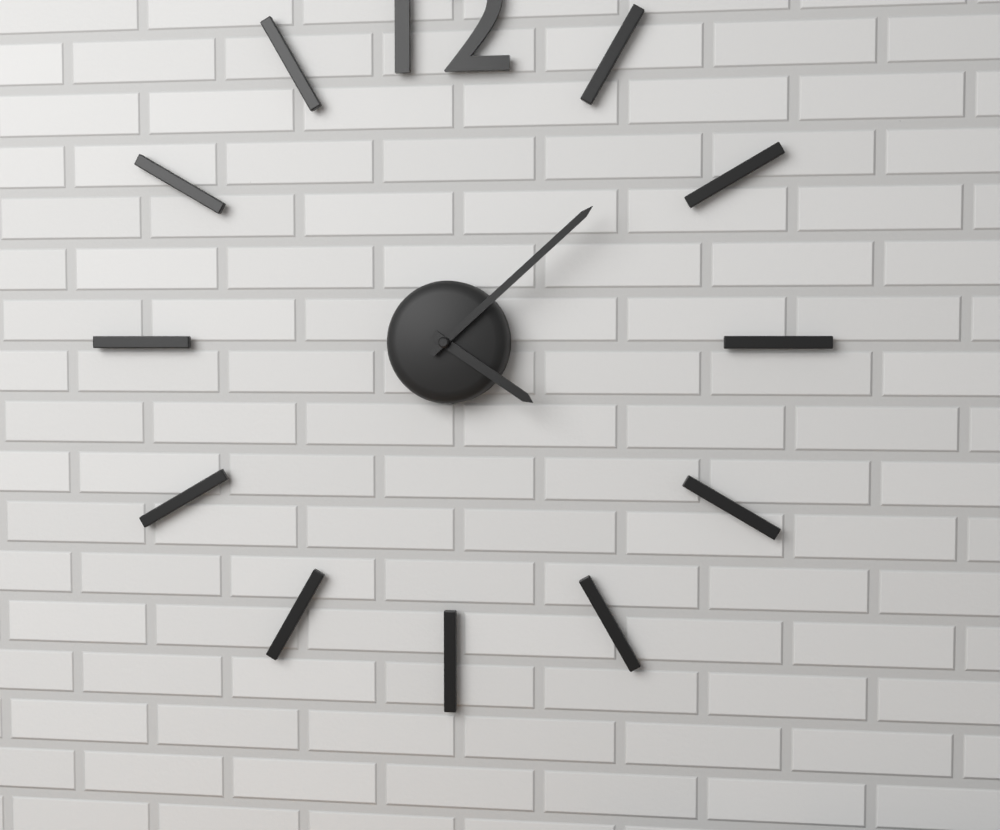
4h08
